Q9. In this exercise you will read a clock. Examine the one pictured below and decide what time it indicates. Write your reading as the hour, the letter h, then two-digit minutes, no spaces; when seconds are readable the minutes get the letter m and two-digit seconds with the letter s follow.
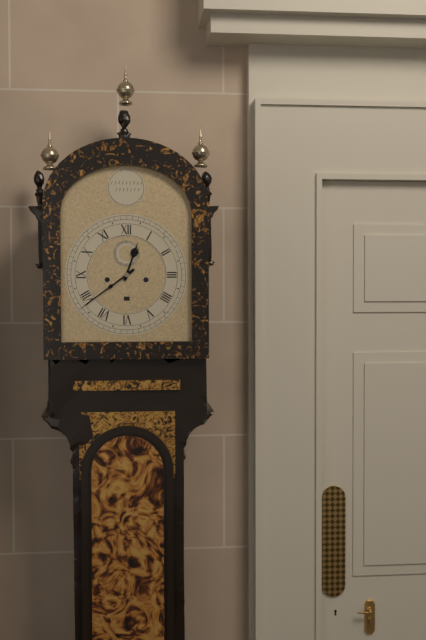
12h39
